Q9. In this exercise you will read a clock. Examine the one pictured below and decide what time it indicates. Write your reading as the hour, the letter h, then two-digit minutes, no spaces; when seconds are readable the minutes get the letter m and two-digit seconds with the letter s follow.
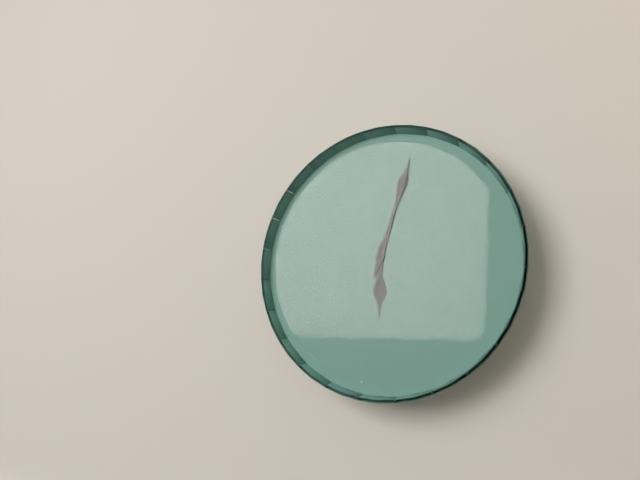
6h03
